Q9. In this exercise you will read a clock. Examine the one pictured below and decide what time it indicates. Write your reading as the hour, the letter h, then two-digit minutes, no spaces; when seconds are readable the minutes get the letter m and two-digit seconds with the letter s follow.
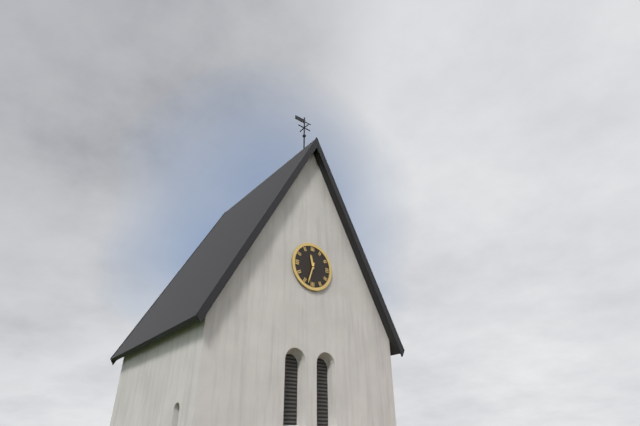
11h33
